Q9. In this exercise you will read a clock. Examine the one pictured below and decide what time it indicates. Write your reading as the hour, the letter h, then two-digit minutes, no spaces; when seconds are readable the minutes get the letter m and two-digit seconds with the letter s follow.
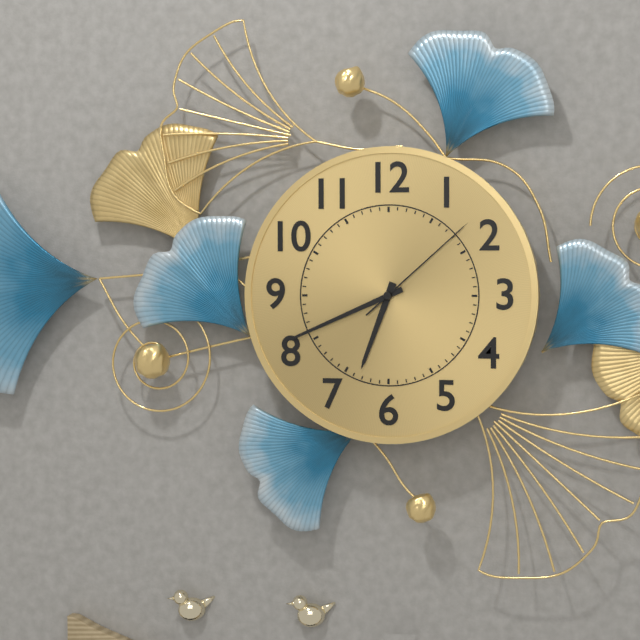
6h41m08s
